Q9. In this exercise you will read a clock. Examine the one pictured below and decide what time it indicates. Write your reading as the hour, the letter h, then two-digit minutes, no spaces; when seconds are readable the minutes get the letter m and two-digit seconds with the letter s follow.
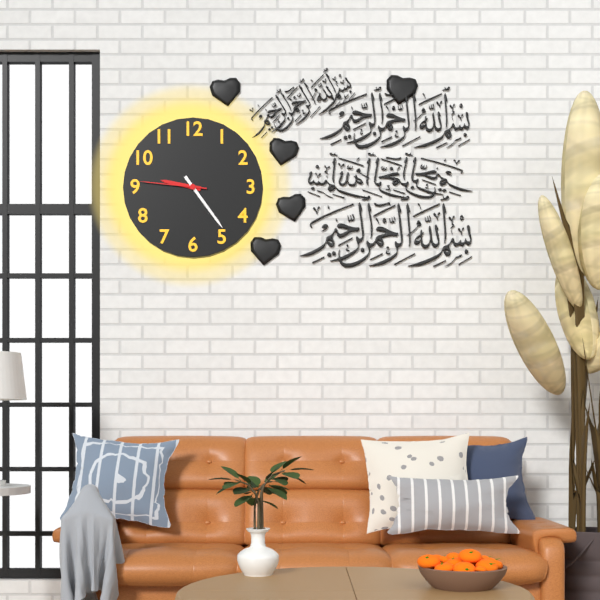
9h24m46s
